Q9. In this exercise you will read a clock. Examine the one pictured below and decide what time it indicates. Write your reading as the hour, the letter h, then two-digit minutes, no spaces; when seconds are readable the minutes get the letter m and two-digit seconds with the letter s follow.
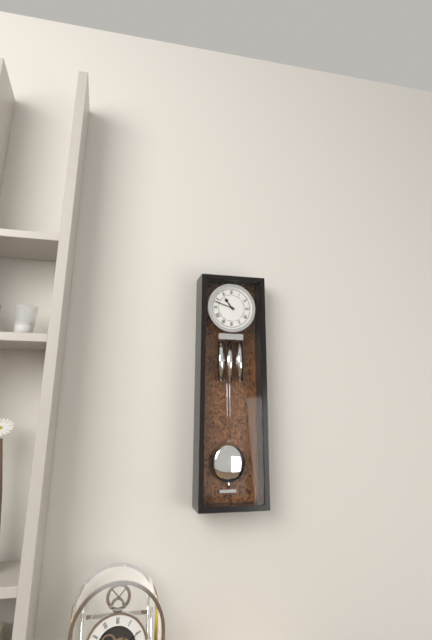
10h48
